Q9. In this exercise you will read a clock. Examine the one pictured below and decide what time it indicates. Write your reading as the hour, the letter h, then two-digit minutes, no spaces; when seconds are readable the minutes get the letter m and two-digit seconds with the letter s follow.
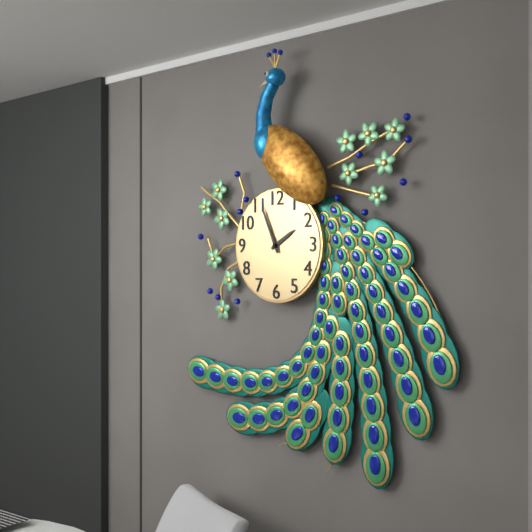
1h56
